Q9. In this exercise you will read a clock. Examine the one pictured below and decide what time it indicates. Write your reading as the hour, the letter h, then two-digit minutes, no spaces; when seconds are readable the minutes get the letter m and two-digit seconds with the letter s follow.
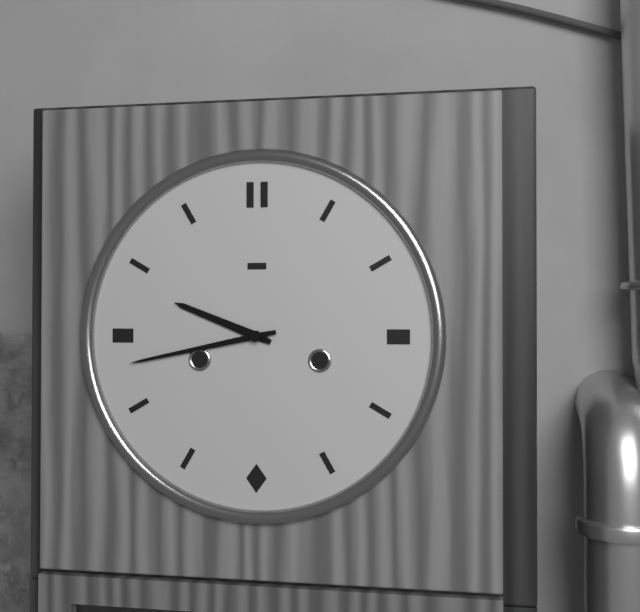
9h43
